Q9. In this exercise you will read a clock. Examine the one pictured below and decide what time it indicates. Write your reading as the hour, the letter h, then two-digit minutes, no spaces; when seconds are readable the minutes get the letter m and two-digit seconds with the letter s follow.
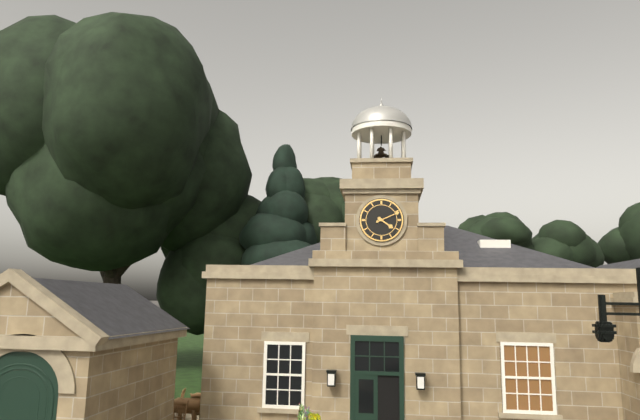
4h11
